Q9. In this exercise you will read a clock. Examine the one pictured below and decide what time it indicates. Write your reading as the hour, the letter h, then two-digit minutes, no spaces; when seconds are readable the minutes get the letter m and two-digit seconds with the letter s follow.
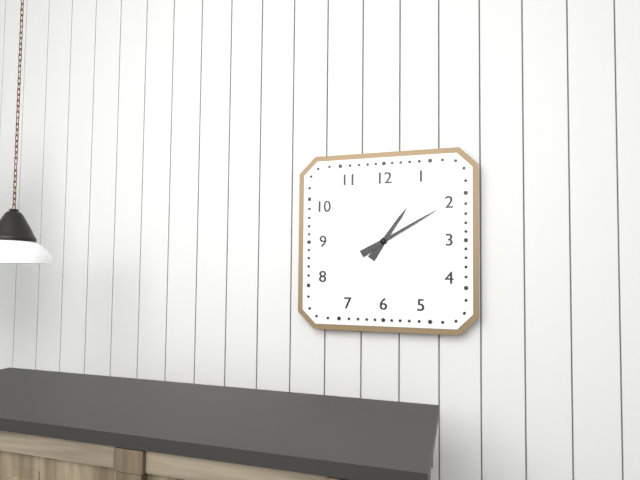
1h10
